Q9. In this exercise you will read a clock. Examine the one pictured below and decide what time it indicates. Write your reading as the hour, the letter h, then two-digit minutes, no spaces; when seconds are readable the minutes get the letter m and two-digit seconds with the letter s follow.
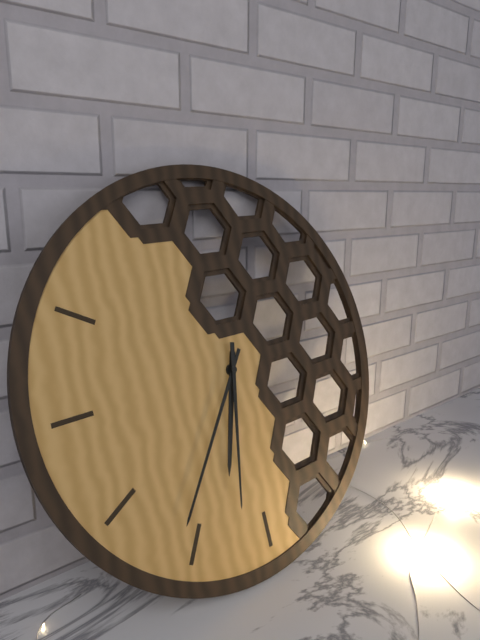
6h36m32s
